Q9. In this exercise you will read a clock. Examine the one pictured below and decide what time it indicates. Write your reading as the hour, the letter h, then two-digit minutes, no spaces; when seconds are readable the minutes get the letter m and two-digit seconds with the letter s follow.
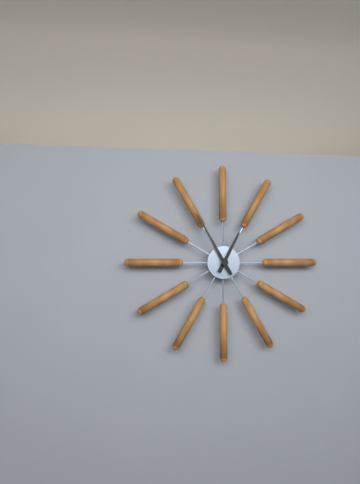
12h55
